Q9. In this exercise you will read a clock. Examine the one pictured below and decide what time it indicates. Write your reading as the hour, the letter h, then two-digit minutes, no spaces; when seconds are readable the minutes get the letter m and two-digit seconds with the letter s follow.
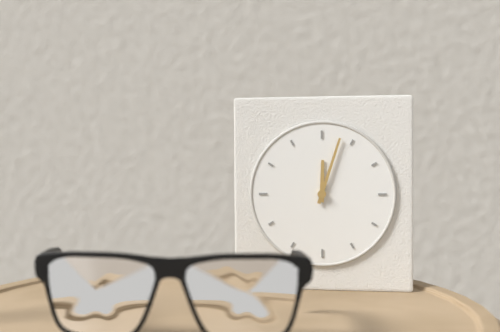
12h03
